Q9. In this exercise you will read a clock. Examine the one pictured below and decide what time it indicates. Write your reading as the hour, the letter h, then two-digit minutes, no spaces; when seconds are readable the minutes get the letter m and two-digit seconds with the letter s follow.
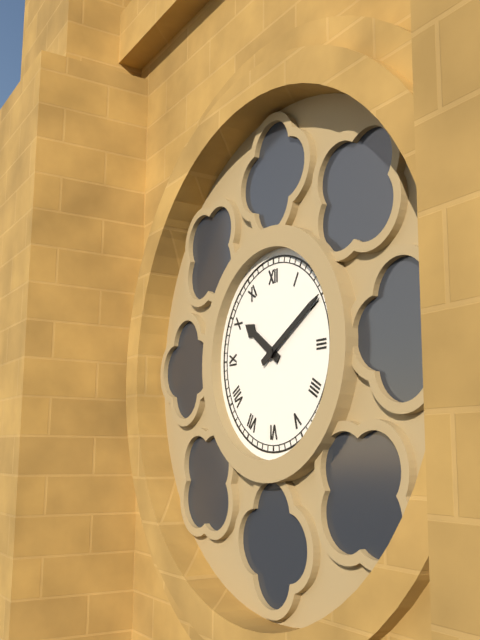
10h10
